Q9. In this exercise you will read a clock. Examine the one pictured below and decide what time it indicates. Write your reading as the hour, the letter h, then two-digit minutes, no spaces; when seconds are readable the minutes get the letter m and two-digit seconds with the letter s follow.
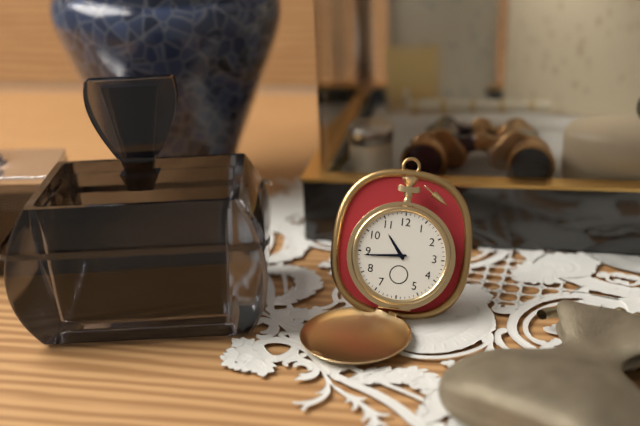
10h44
